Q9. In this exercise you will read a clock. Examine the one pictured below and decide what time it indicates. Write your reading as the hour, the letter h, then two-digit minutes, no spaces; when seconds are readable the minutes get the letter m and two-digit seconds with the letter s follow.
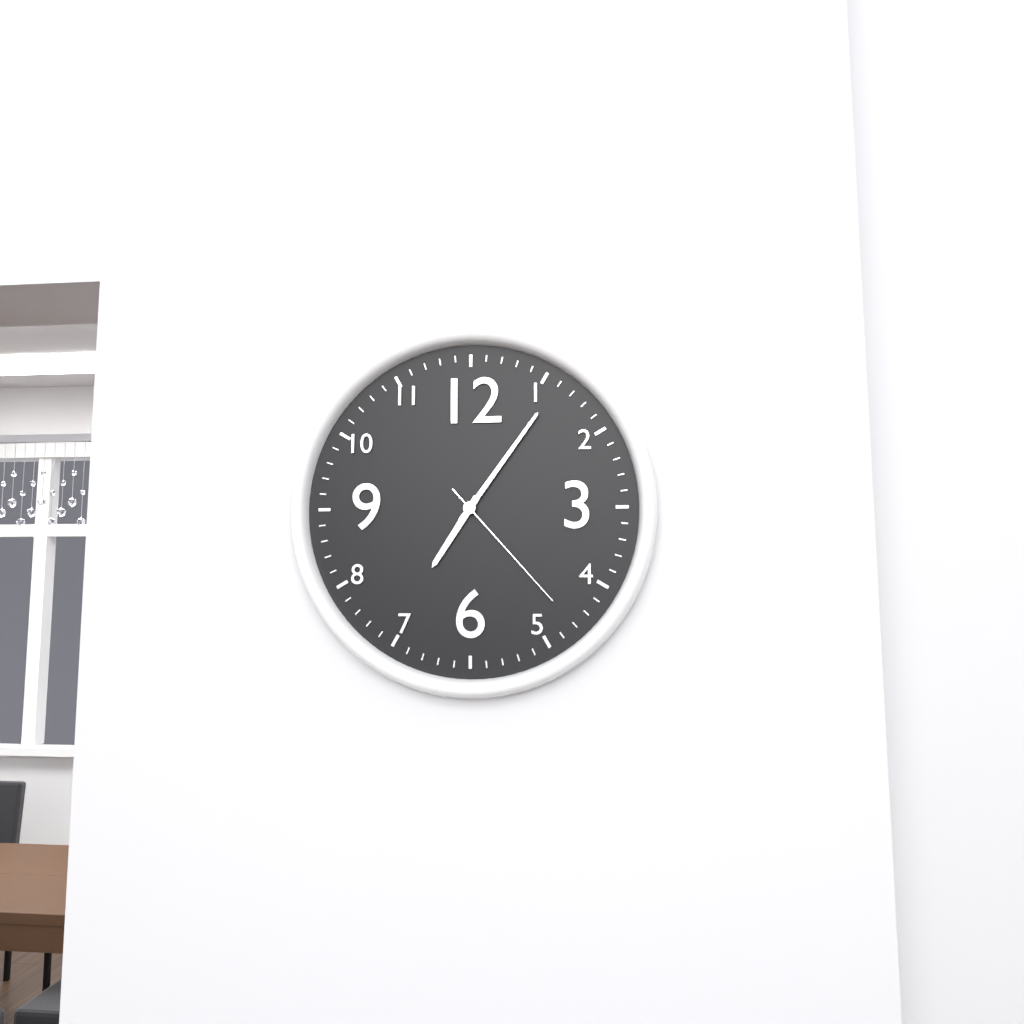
7h06m23s
